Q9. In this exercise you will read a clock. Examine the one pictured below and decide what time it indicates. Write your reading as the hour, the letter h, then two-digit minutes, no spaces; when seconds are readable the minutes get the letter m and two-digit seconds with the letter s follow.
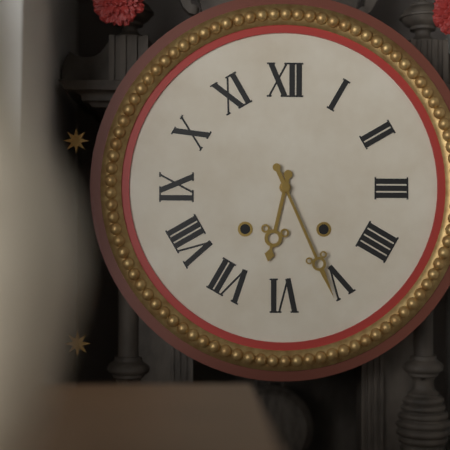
6h26
